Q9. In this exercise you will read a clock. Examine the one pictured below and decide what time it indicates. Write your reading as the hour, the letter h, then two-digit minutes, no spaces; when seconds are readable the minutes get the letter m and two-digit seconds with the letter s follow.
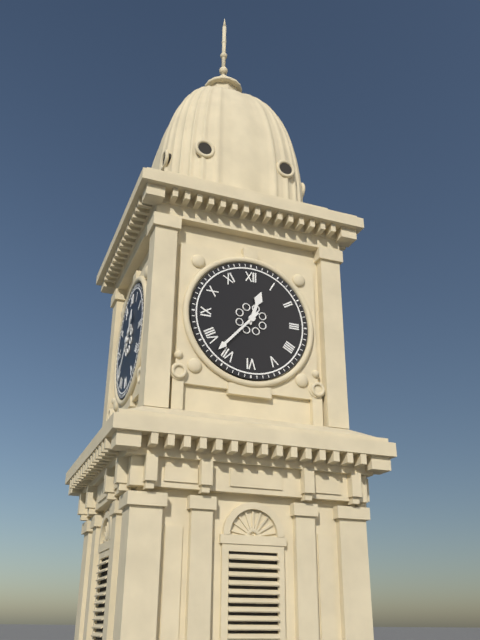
12h37
